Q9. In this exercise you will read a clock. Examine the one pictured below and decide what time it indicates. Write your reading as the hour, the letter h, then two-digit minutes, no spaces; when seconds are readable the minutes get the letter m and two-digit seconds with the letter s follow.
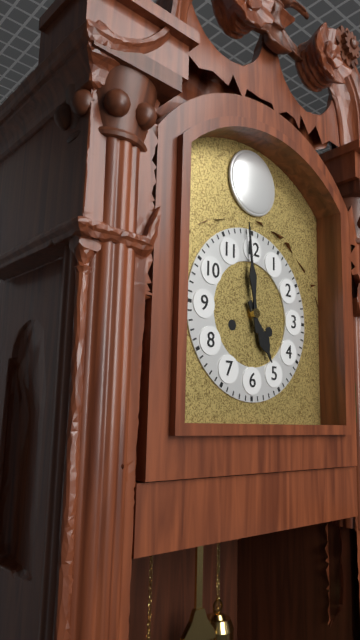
4h59
